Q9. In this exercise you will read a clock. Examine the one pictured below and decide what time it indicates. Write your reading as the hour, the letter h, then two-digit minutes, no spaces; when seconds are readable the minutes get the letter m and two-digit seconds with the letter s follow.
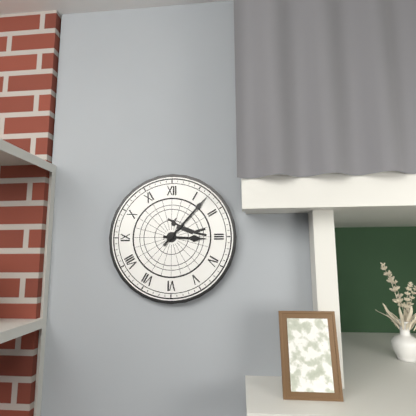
3h07
